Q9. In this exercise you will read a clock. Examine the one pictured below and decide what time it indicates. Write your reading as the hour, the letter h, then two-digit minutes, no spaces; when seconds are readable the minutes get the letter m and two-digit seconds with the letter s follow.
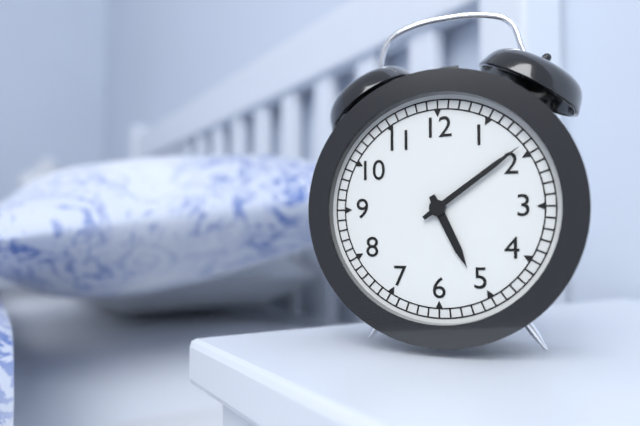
5h09
